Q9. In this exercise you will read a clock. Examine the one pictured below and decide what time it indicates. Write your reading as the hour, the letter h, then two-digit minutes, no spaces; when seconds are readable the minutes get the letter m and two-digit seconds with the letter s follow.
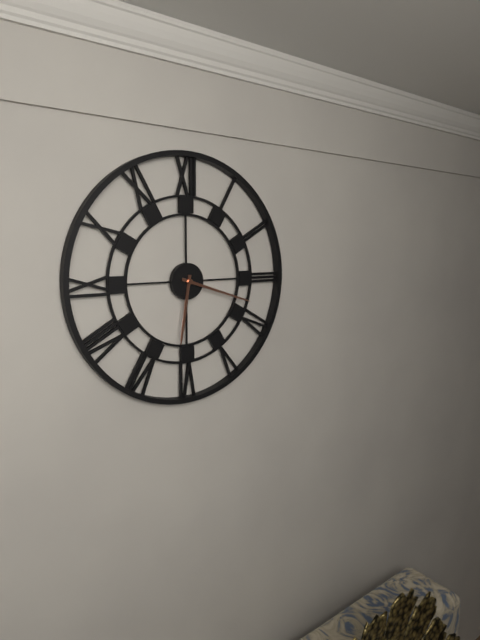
6h18
